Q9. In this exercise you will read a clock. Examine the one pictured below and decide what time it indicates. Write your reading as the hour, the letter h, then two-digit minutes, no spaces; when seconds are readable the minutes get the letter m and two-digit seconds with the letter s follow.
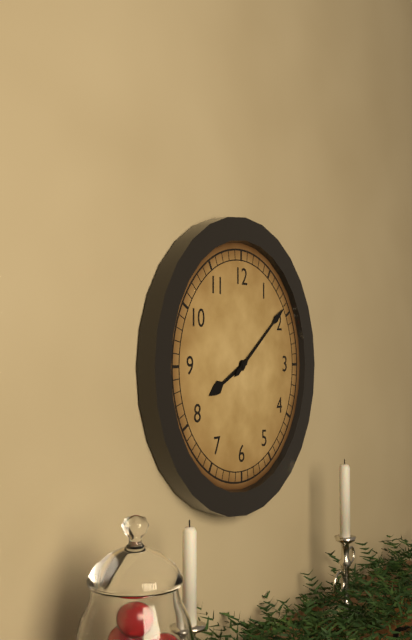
8h09
